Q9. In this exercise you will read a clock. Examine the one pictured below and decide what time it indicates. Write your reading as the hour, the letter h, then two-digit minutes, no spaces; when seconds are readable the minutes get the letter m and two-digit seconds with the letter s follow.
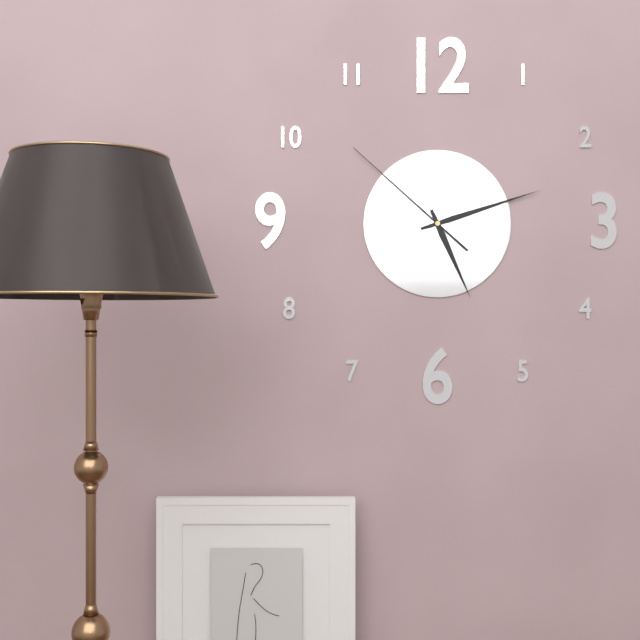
5h12m52s
